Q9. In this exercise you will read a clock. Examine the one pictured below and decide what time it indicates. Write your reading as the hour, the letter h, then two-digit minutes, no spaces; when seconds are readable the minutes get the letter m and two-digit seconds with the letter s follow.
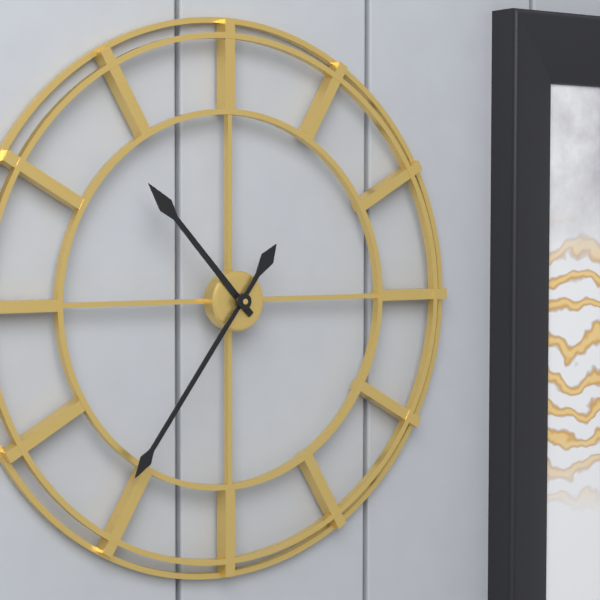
10h36
